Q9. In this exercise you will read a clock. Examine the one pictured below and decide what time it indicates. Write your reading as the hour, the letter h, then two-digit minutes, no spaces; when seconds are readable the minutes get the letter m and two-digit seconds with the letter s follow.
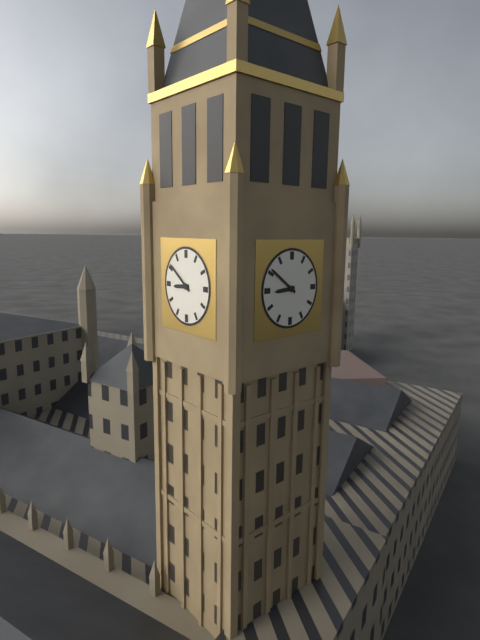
8h51
